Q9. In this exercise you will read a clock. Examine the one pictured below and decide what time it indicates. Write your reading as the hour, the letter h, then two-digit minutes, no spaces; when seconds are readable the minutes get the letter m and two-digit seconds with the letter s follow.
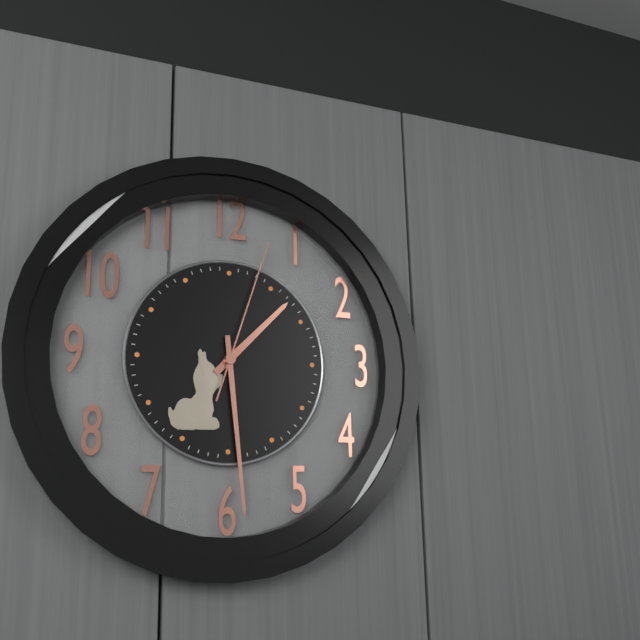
1h29m03s
